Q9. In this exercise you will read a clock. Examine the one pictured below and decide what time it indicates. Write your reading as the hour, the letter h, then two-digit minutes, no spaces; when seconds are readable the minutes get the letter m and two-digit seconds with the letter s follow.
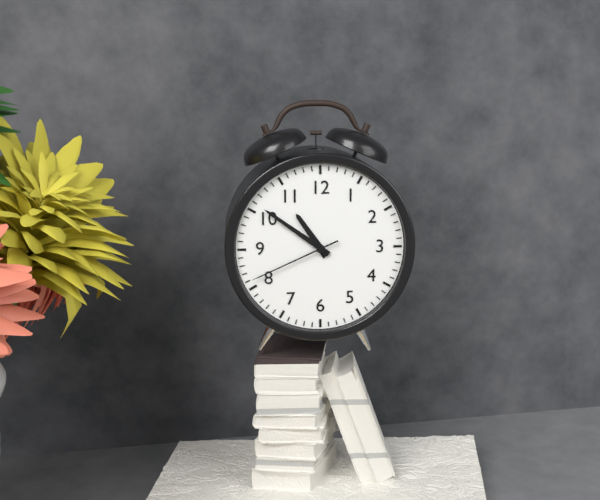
10h51m41s
